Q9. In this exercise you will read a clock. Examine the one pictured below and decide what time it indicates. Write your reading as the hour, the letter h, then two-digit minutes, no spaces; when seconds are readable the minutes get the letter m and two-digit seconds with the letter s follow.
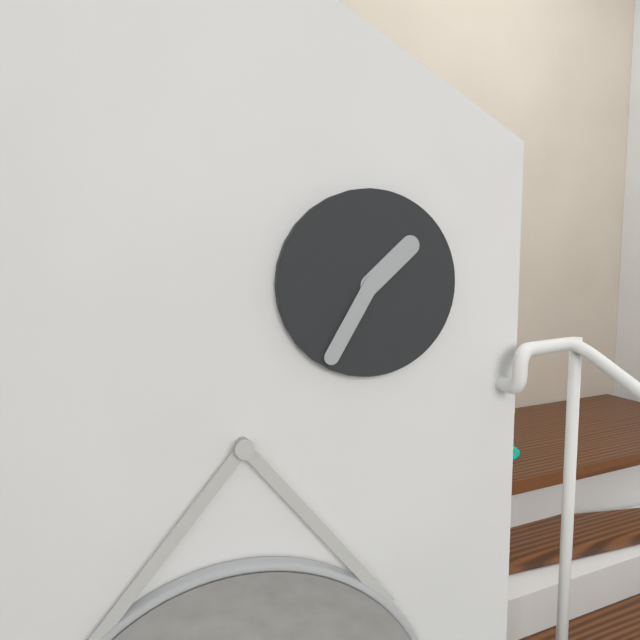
1h35
